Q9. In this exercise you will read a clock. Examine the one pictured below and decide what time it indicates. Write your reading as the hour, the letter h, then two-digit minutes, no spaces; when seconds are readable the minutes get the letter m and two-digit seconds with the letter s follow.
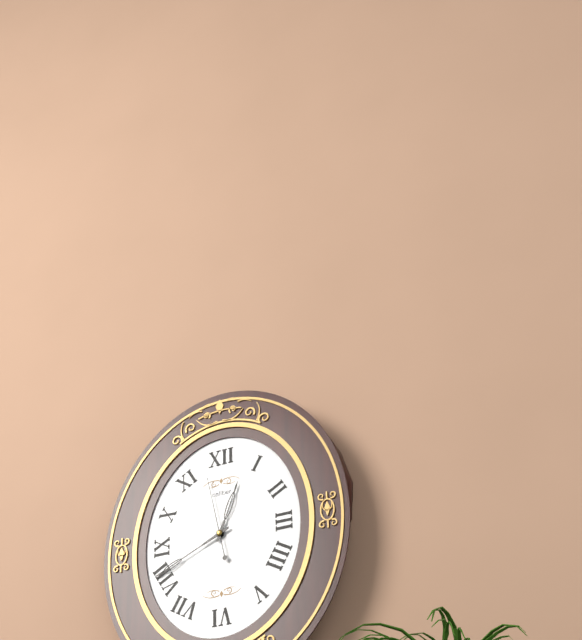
12h41m58s
